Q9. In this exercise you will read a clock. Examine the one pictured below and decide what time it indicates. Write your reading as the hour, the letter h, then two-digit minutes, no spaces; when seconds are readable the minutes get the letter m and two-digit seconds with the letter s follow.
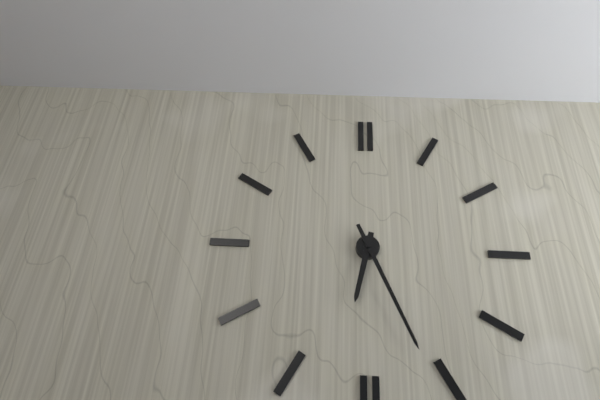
6h26
